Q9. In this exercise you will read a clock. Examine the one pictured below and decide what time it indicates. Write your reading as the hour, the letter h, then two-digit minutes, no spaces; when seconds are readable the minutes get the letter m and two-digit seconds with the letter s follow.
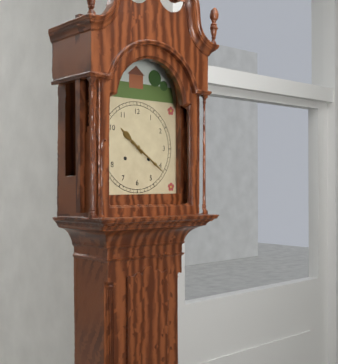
10h21
